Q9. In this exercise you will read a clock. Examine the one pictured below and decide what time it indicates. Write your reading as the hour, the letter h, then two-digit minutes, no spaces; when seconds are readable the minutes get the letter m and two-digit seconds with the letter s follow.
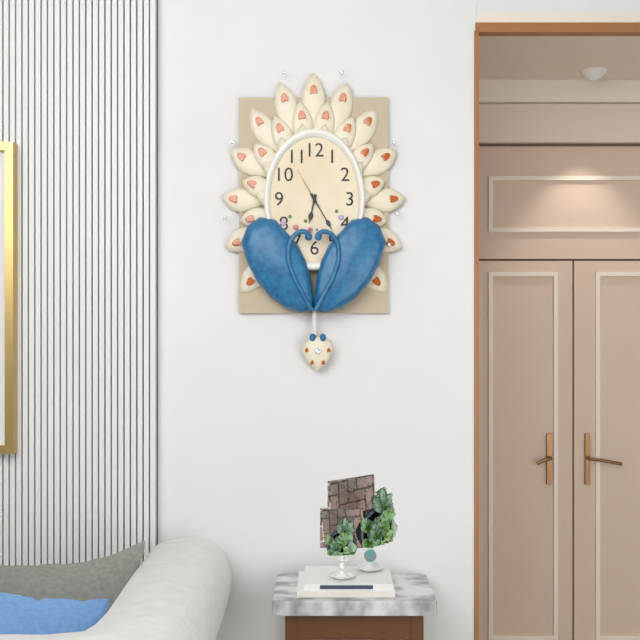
6h25
